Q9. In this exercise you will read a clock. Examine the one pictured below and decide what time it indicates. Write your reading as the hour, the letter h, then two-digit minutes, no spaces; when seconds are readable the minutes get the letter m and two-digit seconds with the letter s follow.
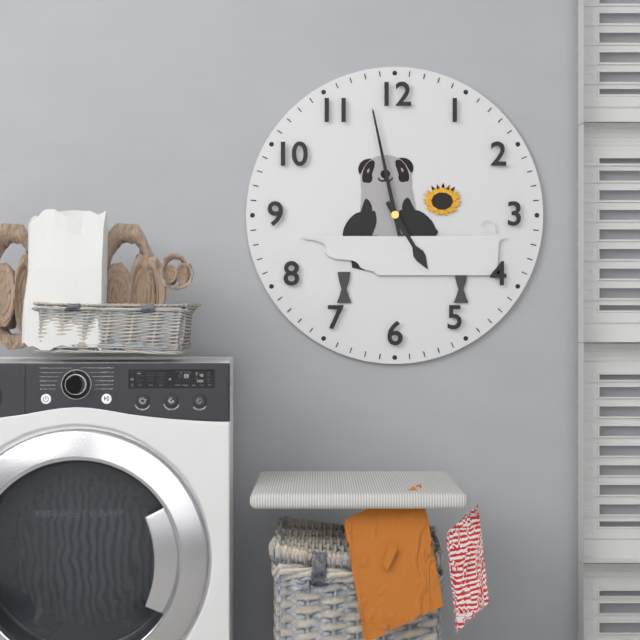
4h58
